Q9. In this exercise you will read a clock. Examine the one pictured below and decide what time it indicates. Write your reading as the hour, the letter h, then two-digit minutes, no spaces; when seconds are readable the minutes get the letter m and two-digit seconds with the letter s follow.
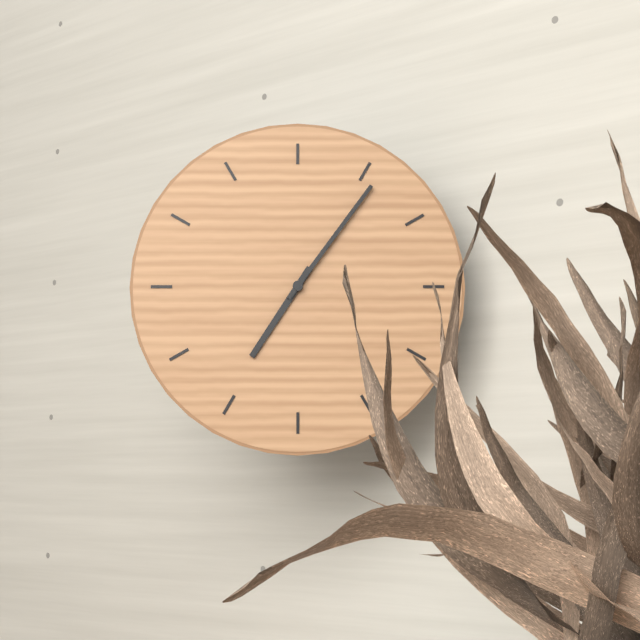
7h06
